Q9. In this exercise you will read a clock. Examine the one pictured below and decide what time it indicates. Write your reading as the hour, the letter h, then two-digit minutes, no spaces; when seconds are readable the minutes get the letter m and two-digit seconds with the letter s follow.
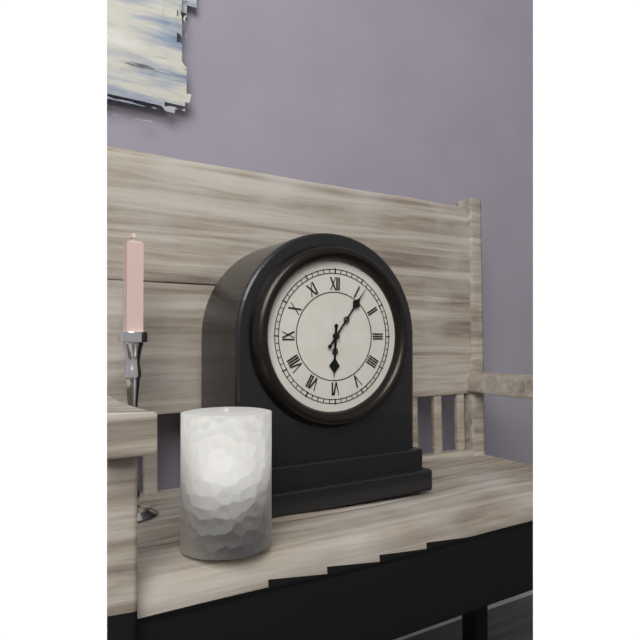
6h06
